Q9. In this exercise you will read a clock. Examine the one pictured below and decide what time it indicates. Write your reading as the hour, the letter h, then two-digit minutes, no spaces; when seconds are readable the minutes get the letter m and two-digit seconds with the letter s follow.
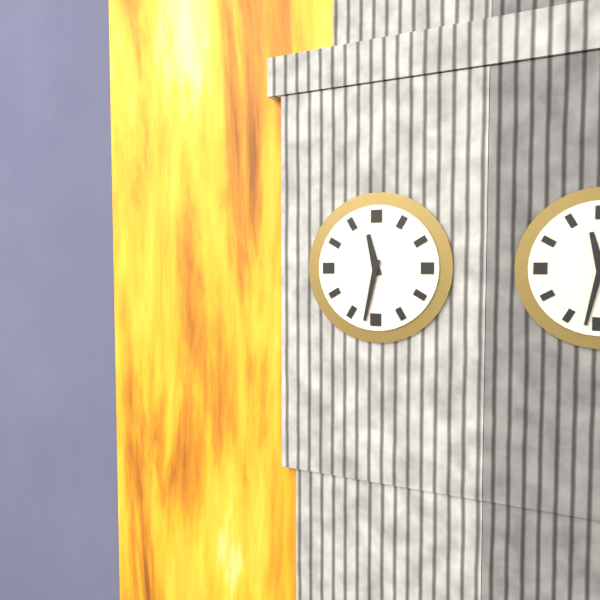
11h32
